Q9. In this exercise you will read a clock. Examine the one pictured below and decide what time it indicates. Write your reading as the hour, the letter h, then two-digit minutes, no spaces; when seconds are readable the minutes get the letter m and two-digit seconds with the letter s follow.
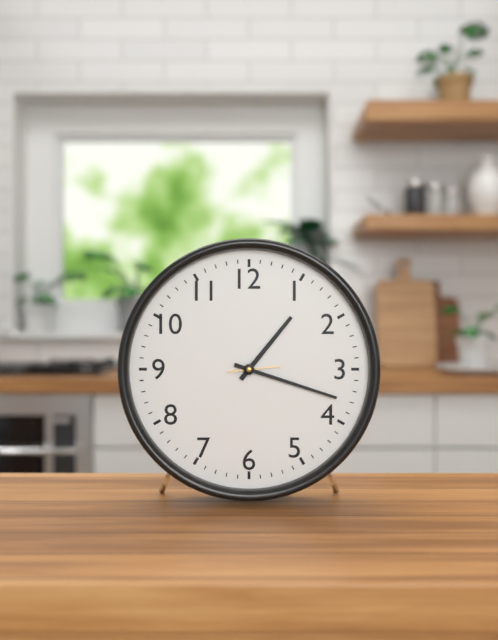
1h18
